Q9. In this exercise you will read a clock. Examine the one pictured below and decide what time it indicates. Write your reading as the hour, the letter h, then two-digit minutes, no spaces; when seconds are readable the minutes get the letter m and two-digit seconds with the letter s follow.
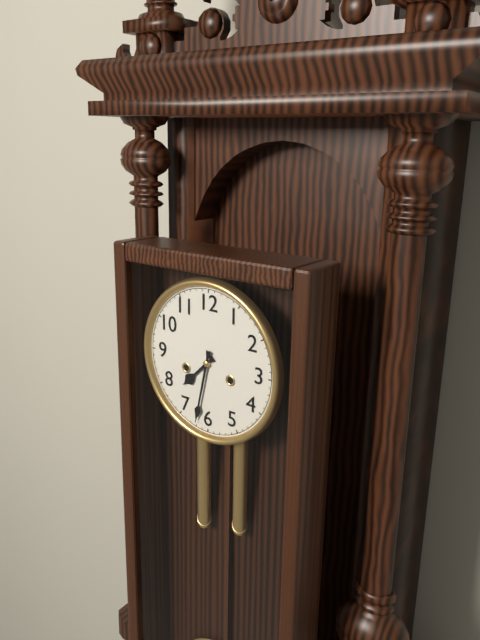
7h32
